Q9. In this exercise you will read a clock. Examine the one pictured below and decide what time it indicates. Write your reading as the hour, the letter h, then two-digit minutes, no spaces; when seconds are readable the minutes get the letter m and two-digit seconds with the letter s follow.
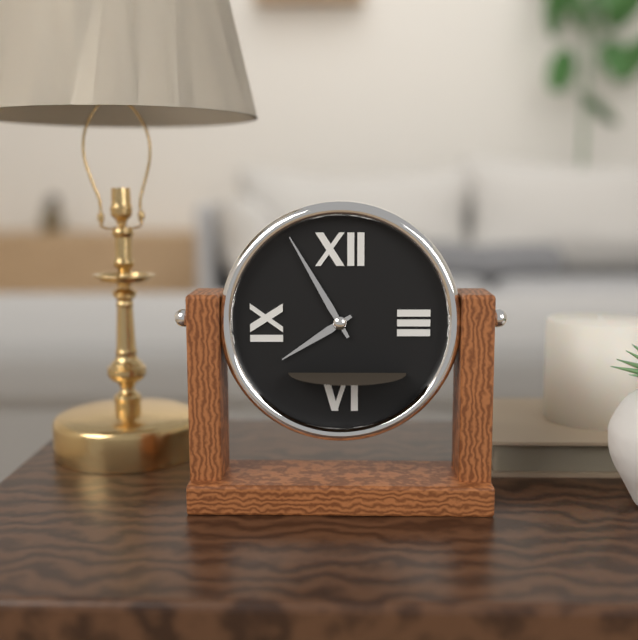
7h55
